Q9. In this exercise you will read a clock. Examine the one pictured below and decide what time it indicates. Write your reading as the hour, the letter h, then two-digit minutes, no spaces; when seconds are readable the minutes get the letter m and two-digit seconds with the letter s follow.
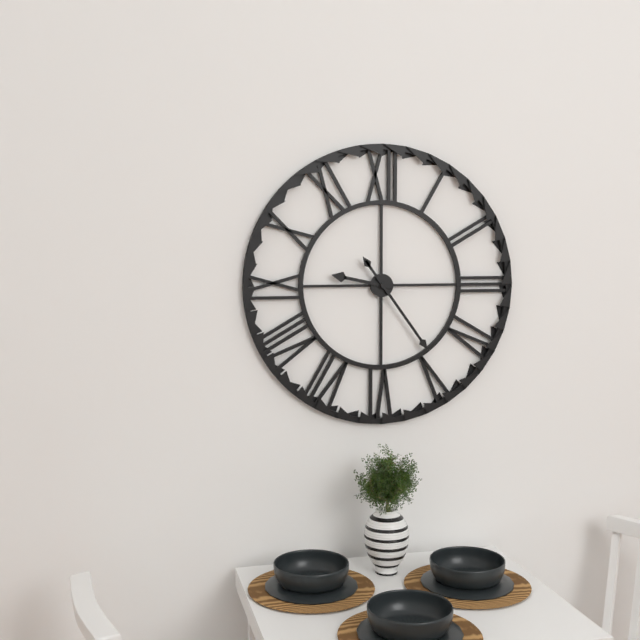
9h24
